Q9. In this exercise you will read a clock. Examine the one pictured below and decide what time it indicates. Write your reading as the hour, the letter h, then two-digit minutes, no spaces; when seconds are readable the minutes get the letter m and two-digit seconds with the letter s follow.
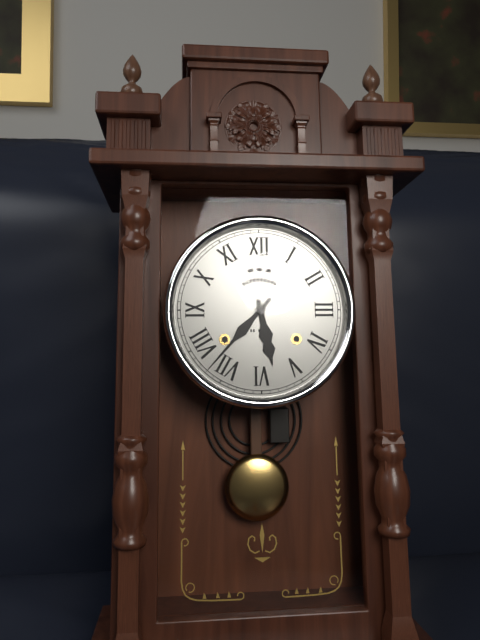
5h37
